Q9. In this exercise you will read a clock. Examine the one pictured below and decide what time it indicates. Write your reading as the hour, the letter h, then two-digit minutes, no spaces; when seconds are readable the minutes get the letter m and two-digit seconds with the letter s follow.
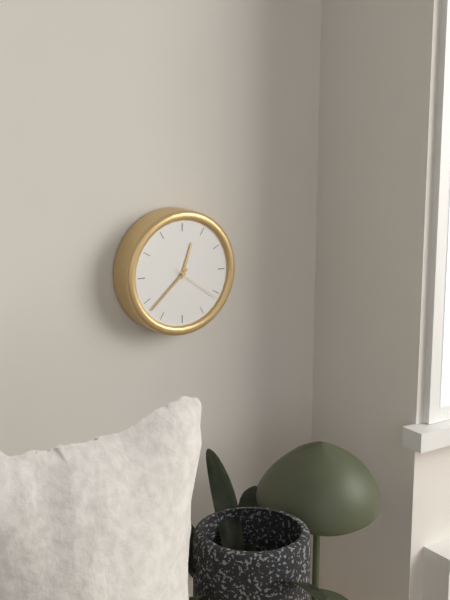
12h38m21s
